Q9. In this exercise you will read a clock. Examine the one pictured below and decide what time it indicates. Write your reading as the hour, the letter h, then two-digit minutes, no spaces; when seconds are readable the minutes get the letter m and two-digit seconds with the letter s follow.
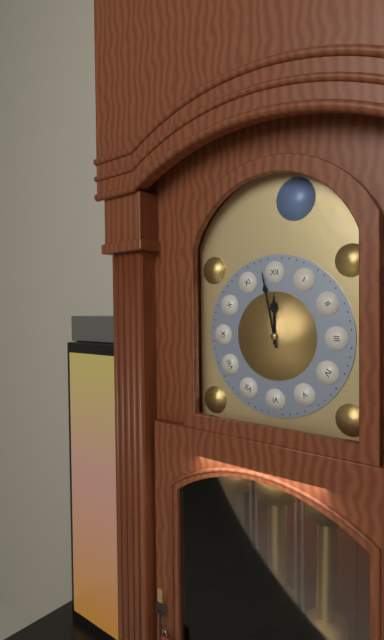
11h58
